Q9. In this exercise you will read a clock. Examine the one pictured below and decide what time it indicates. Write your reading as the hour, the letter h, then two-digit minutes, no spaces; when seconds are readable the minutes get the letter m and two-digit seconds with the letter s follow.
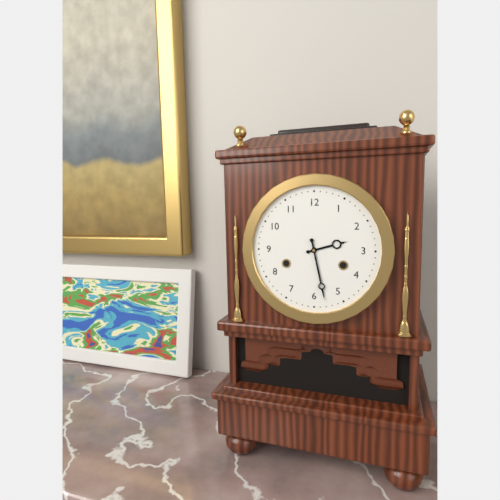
2h28
